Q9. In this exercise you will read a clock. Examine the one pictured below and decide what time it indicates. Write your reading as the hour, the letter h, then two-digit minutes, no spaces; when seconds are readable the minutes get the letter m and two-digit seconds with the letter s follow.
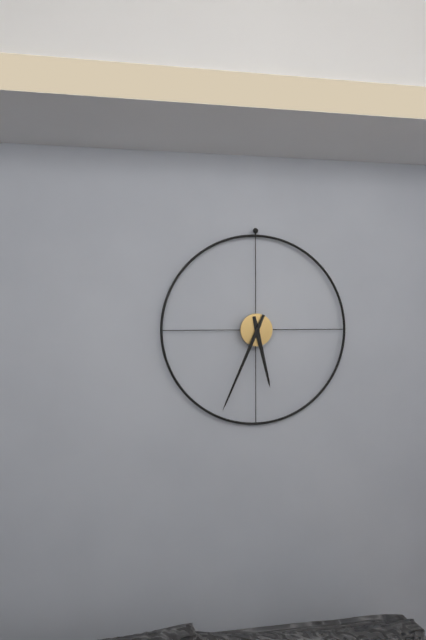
5h34
